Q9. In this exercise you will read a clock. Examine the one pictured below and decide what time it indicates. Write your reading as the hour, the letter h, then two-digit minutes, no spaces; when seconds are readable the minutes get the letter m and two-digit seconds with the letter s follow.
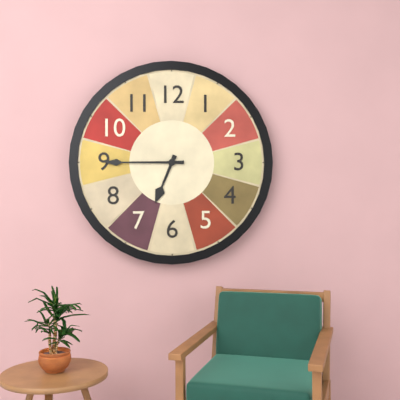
6h45
